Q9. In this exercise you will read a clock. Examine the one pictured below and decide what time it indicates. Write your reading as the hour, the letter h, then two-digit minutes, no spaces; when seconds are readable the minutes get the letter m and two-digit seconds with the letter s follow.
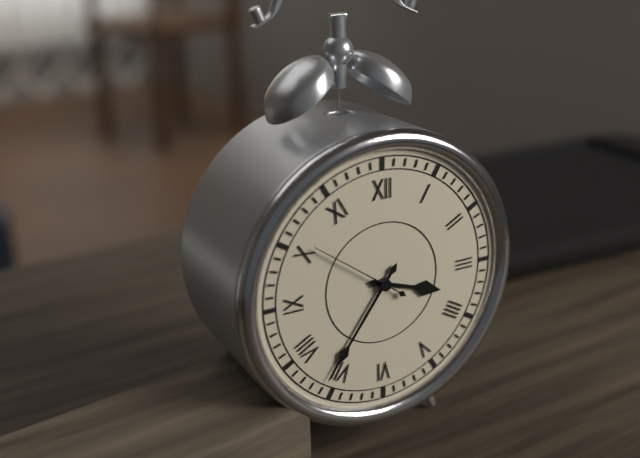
3h36m51s
